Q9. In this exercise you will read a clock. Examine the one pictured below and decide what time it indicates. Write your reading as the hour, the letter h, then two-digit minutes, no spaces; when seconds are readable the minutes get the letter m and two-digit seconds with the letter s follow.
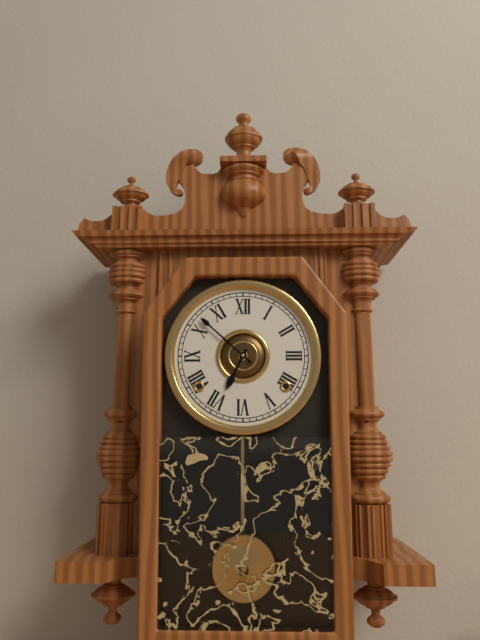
6h52
